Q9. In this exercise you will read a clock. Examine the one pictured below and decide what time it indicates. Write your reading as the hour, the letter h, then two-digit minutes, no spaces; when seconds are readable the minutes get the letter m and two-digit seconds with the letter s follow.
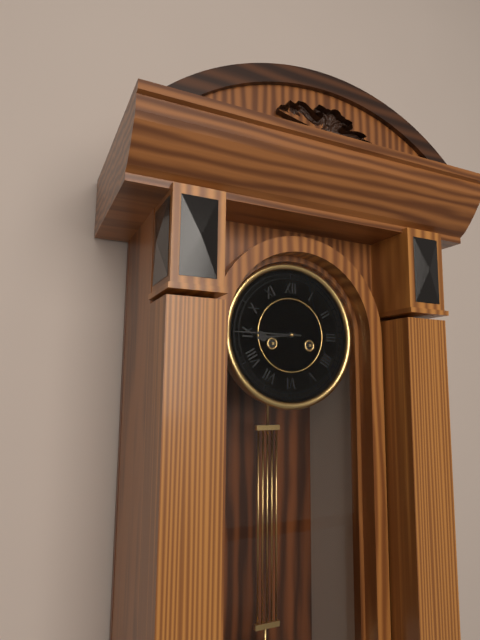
8h45
